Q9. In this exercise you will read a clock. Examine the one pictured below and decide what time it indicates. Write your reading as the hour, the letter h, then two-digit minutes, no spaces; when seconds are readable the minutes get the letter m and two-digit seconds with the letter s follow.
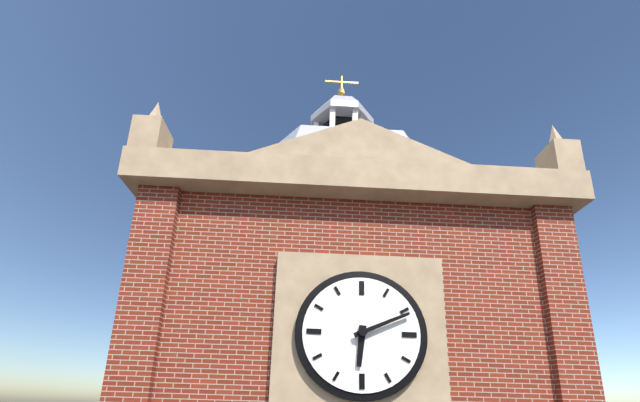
6h11
